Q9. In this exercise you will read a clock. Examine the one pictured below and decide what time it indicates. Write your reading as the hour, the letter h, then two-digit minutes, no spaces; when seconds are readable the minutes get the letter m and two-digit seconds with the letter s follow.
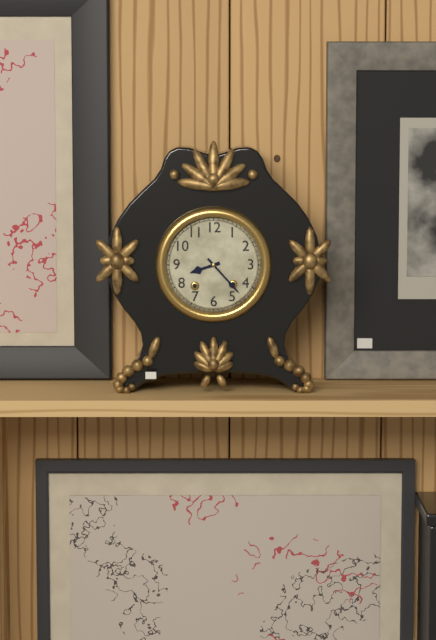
8h23
